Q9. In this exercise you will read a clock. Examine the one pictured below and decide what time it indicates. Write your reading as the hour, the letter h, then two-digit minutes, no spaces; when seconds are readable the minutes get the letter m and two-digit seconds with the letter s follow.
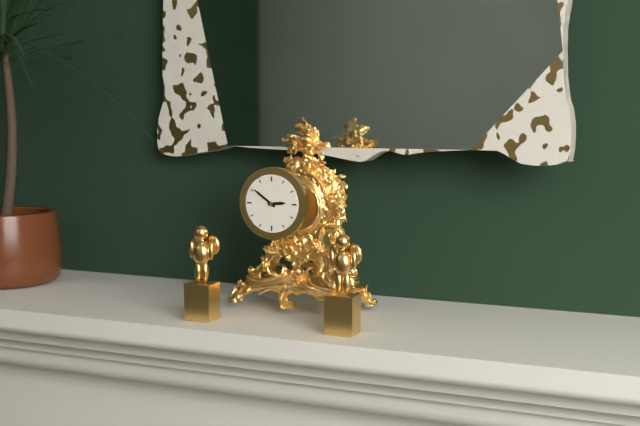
2h51
